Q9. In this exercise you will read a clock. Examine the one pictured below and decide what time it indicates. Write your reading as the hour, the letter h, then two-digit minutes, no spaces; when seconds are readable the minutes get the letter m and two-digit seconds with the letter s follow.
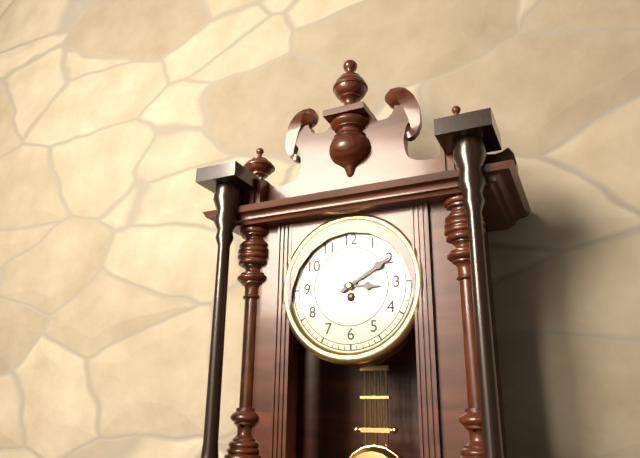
3h10
